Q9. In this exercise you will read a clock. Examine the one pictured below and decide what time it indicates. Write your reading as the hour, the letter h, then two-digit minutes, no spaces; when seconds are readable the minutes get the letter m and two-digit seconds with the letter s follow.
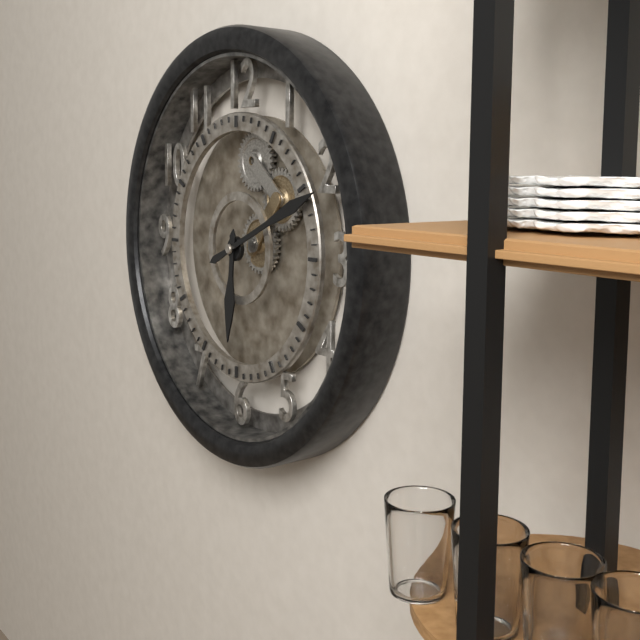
6h11
